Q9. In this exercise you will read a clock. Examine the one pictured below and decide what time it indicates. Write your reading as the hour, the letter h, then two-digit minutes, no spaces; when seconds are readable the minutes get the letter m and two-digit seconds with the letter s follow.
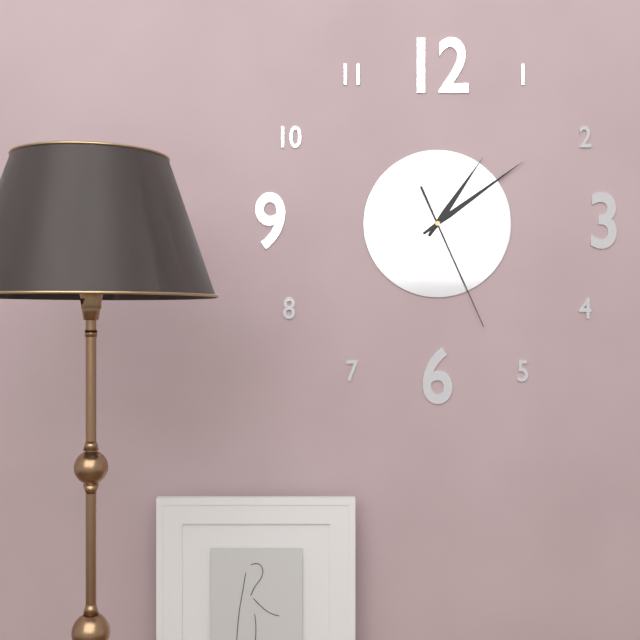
1h09m26s
